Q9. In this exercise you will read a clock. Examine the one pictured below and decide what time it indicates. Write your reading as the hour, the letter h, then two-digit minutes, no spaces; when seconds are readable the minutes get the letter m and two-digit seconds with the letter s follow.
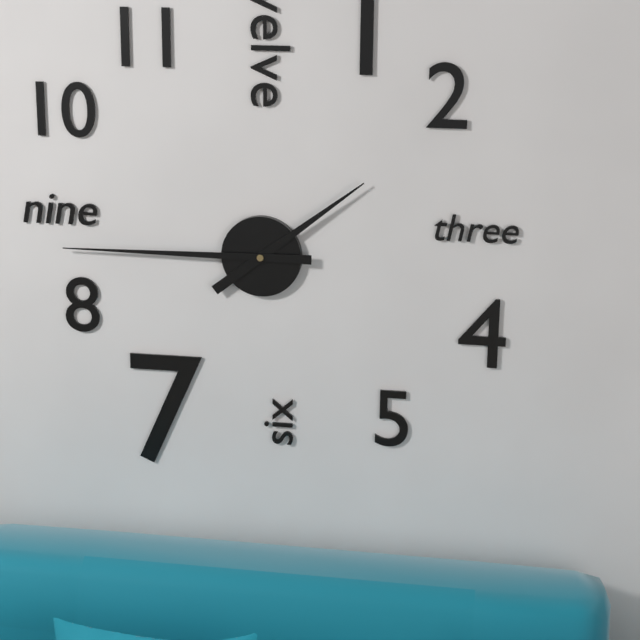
1h45
